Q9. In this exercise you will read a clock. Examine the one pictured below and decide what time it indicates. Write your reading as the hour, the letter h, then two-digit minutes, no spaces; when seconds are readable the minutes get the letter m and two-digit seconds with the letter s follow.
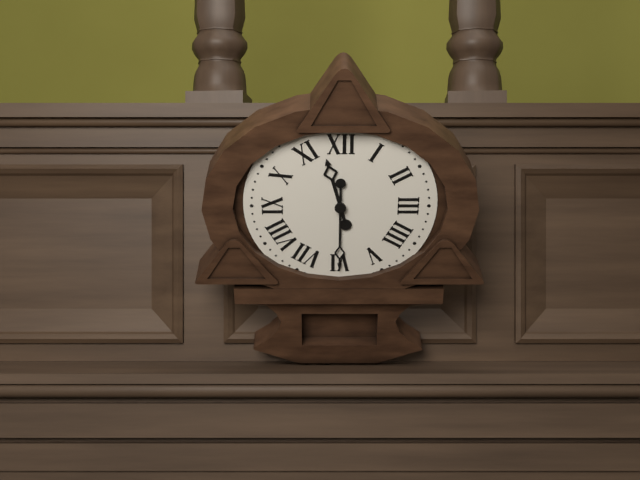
11h30
